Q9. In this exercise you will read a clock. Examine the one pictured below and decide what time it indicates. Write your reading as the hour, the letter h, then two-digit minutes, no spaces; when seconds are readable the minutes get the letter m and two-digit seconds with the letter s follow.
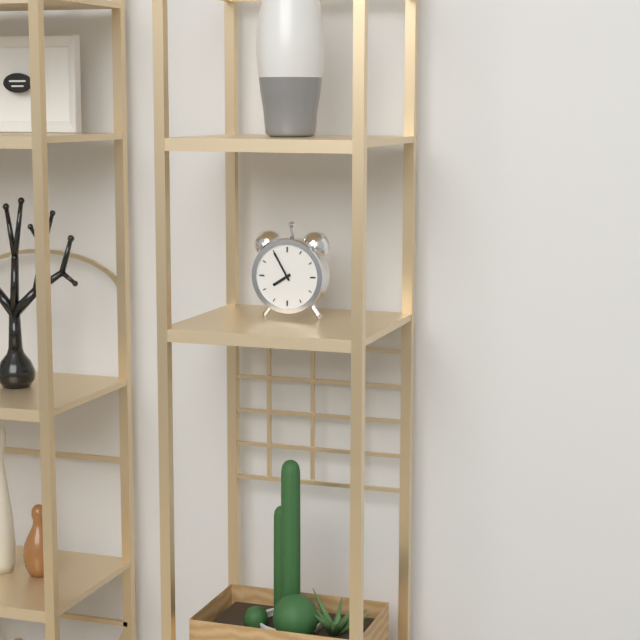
7h55
